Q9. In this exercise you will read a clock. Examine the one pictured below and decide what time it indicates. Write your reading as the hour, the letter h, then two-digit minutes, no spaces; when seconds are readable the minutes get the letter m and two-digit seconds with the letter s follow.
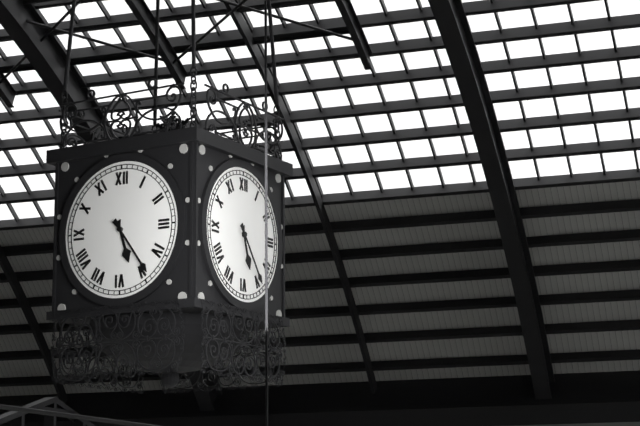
5h24
